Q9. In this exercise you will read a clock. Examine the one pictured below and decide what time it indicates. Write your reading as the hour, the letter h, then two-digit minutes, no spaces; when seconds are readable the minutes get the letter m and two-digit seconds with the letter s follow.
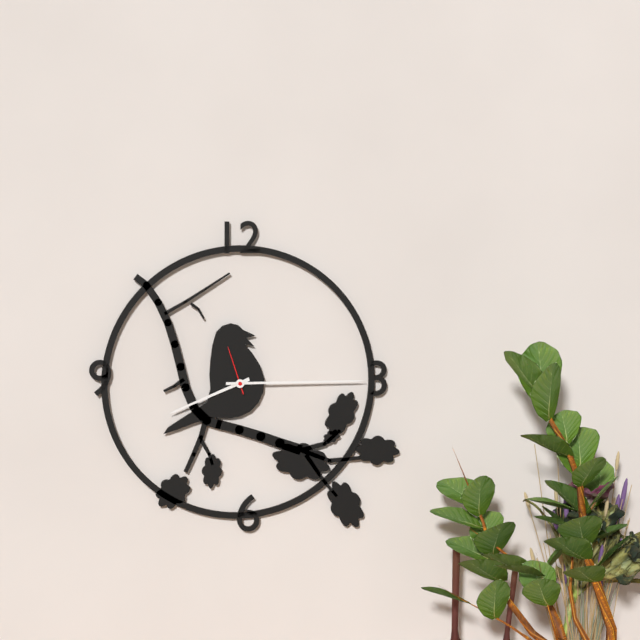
8h15
